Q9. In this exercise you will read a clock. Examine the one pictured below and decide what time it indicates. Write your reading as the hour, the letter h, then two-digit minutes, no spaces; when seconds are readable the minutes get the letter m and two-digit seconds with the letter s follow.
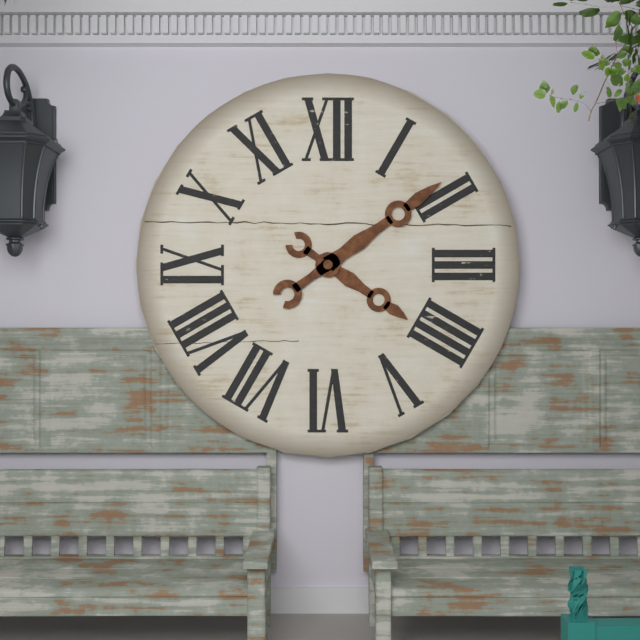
4h09
